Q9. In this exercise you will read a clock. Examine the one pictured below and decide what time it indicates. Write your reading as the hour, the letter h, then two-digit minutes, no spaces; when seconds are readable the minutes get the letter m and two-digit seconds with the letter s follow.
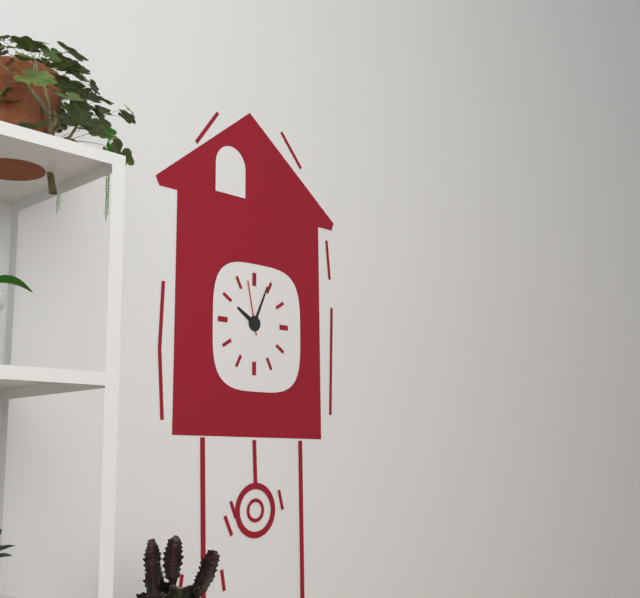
10h04m58s
